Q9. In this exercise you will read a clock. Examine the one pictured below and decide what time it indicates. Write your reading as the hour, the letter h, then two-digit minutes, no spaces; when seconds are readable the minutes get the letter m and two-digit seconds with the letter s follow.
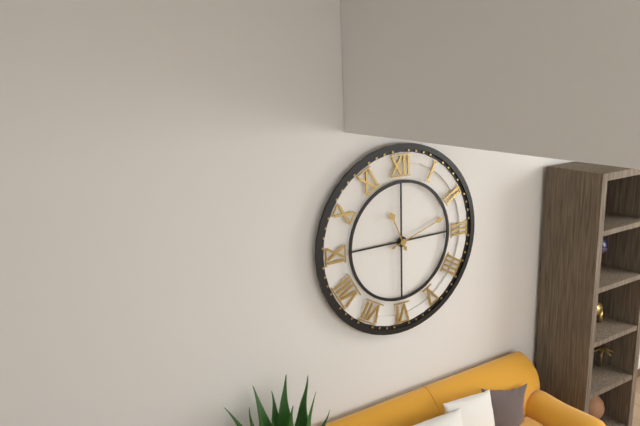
11h12
